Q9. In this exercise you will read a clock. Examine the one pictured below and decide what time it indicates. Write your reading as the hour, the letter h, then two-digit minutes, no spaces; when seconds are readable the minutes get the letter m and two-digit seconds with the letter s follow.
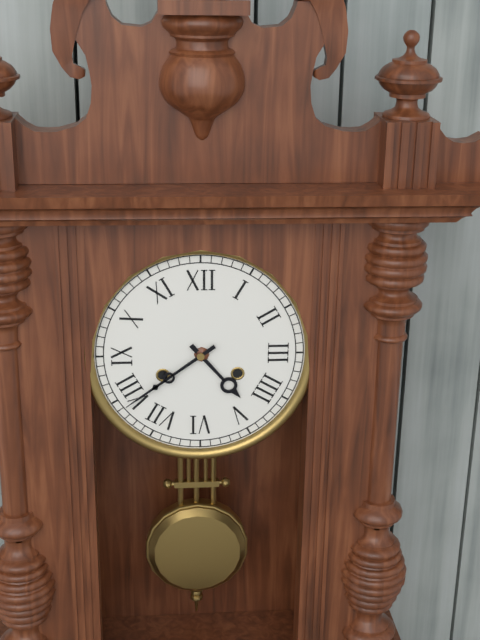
4h39
